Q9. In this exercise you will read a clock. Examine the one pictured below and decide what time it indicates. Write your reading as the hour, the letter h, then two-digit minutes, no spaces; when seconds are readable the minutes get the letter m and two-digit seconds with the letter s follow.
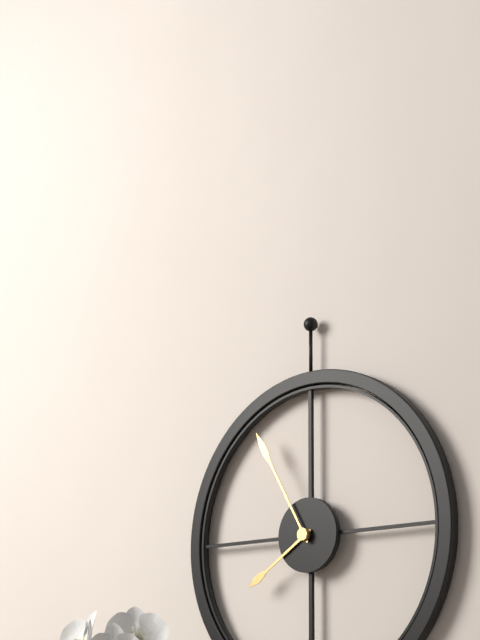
7h55
